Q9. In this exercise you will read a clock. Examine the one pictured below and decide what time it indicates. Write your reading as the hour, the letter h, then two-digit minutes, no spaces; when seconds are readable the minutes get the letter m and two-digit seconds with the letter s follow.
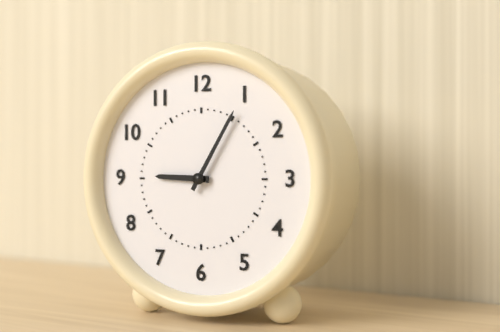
9h05
